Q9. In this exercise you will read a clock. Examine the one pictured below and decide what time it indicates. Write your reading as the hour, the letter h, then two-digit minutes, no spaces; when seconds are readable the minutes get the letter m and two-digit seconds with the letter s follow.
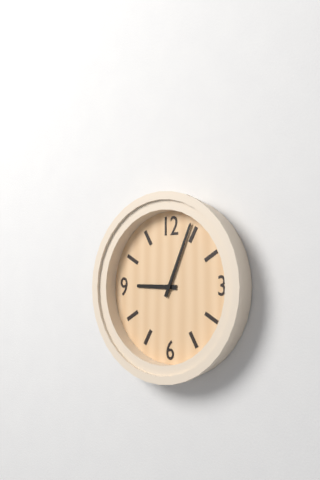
9h04
